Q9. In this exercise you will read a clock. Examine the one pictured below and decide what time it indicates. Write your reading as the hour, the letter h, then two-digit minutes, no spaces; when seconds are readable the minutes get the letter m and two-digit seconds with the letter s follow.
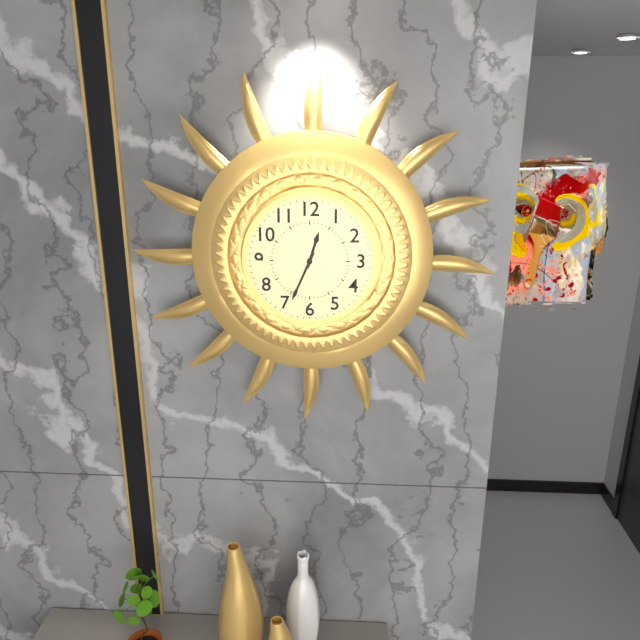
12h34
